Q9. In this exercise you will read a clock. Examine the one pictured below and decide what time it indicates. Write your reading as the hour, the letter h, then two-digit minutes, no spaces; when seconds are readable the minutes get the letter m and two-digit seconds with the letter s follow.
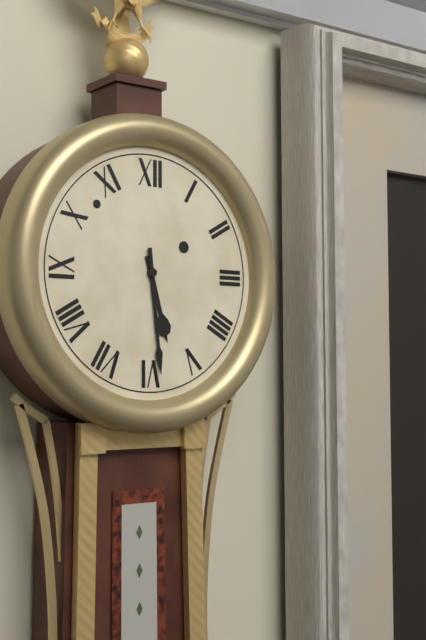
5h29
